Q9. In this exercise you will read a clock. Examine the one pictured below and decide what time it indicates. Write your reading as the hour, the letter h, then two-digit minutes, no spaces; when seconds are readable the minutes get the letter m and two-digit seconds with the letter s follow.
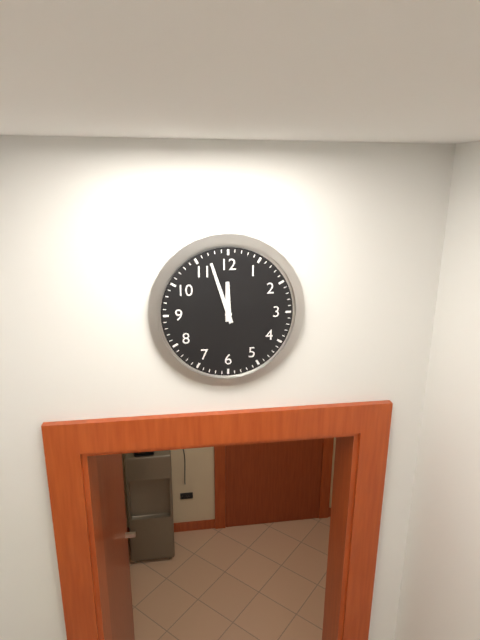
11h57
